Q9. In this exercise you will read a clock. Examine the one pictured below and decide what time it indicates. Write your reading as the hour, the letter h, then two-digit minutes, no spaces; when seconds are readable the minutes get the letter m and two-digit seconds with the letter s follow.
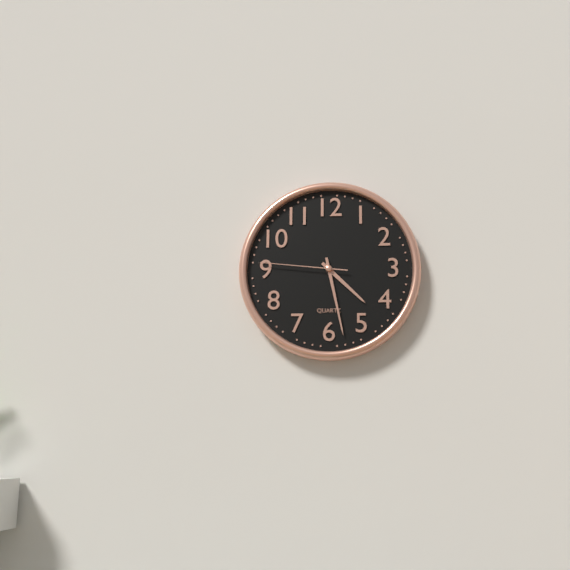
4h28m46s
